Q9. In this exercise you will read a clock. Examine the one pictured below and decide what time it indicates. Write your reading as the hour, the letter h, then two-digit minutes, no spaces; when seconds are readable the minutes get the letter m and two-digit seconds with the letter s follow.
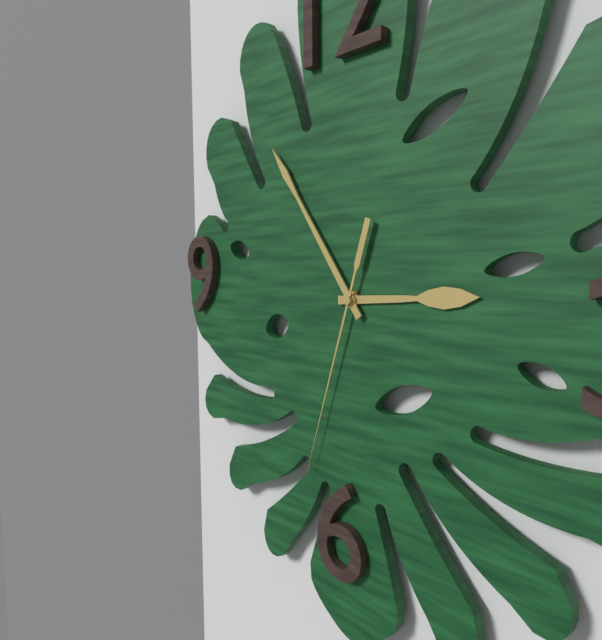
2h54m33s
